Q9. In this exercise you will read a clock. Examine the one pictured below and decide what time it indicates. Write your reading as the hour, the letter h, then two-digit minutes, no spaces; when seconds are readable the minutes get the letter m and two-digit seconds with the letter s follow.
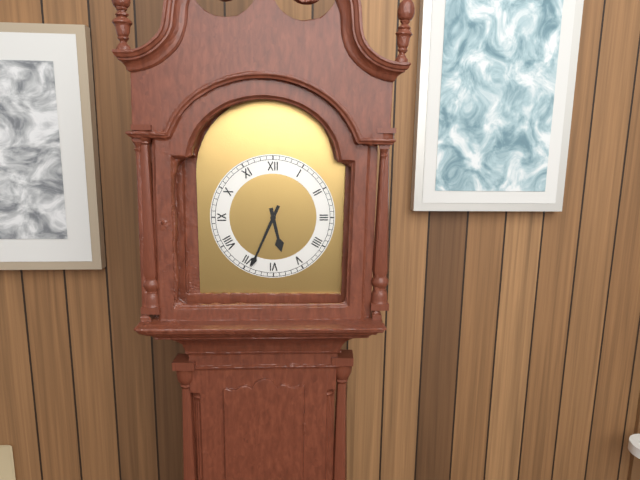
5h34
